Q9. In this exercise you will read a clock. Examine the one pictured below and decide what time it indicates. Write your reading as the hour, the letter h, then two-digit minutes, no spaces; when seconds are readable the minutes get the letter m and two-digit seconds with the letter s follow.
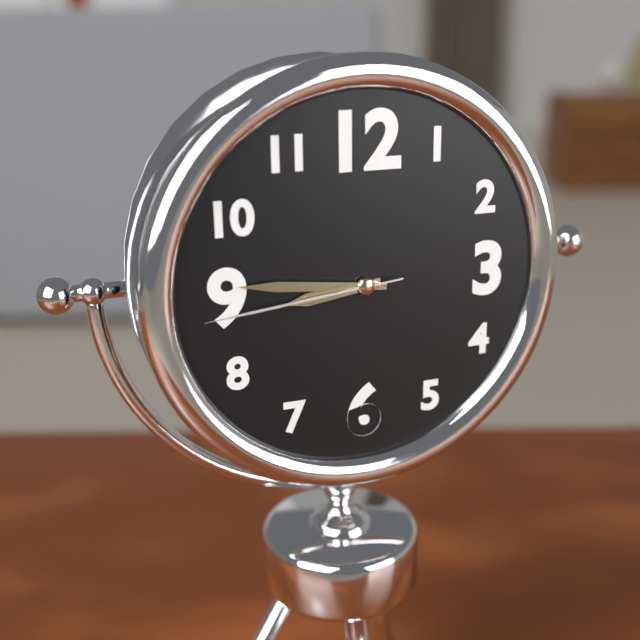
8h46m44s
